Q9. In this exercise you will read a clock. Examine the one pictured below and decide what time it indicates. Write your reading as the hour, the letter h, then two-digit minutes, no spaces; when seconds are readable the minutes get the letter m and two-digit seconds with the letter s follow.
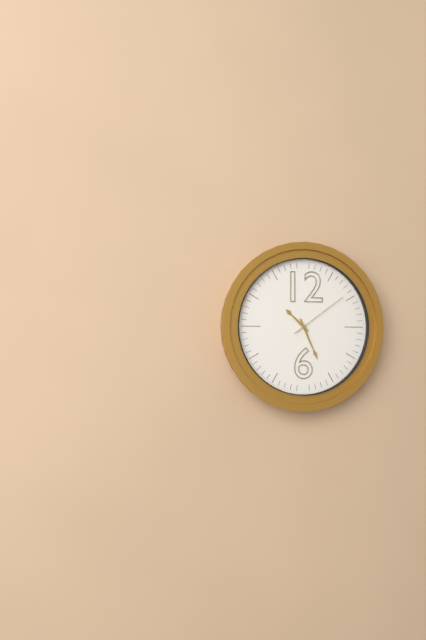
10h26m09s
